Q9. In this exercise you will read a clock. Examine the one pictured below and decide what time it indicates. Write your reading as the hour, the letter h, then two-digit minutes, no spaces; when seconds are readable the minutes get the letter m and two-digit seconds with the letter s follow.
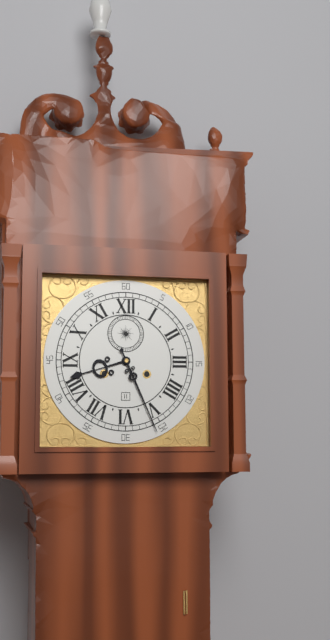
8h26
